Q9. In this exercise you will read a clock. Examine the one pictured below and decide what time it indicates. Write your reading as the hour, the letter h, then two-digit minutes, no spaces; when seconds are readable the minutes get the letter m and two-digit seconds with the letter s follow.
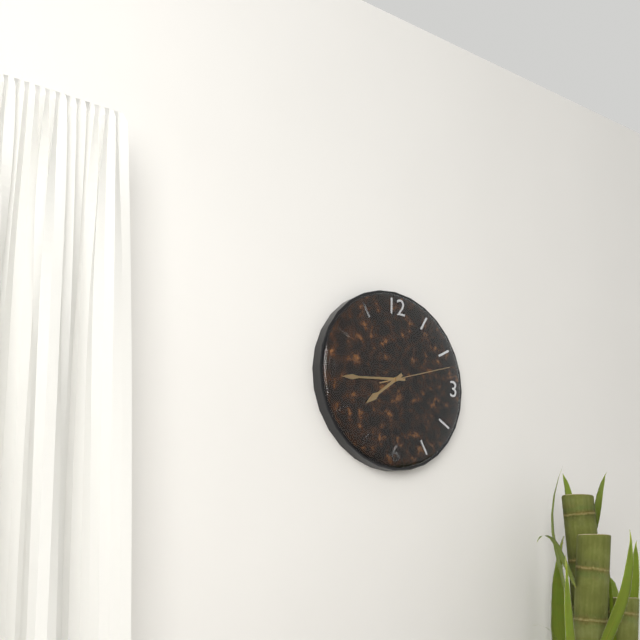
7h44m12s
